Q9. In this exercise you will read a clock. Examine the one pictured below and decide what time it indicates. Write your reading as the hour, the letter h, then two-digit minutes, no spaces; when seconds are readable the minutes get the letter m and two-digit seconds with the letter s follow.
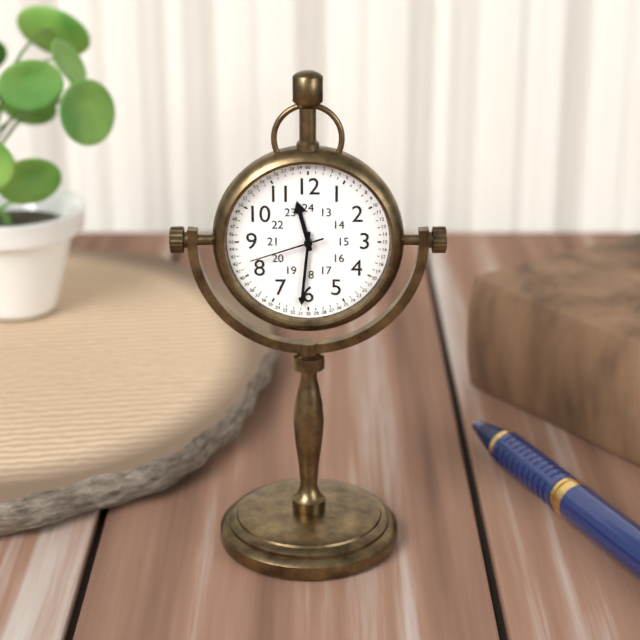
11h31m42s
